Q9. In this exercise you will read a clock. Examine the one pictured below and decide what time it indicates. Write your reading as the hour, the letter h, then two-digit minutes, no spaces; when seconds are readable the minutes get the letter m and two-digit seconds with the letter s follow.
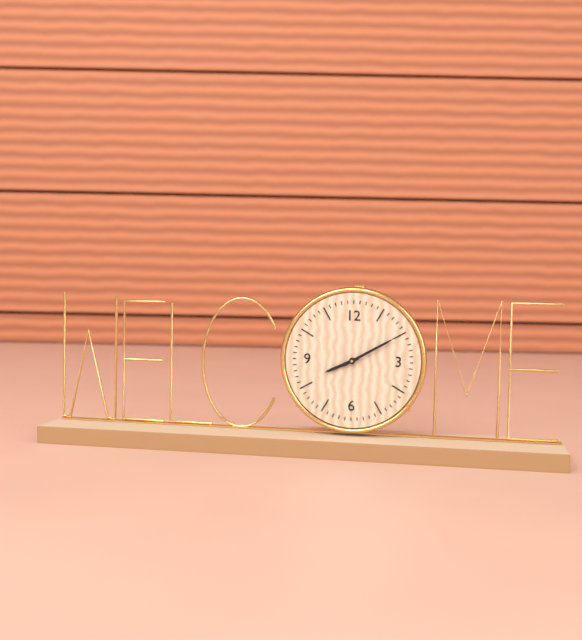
8h10
